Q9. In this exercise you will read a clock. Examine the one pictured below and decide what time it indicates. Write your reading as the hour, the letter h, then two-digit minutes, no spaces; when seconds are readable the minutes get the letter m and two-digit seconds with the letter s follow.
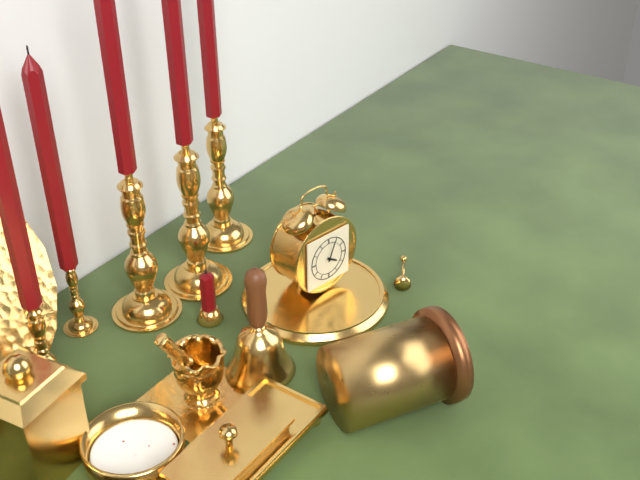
4h04
